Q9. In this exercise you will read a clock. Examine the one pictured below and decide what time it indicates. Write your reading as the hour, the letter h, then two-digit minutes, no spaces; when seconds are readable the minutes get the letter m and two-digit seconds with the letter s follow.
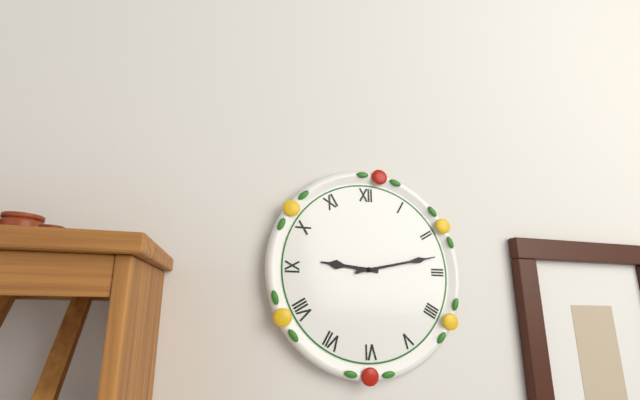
9h13
